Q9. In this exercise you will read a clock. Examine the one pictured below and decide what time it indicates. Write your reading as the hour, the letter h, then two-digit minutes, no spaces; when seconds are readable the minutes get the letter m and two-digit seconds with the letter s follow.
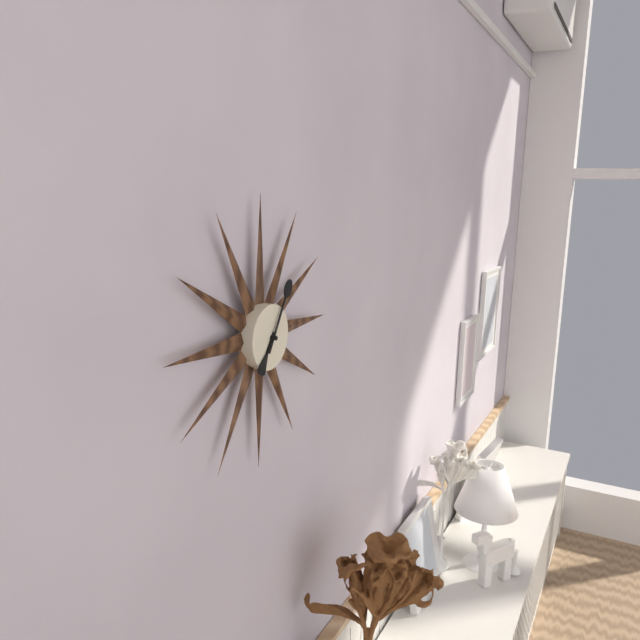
7h05
